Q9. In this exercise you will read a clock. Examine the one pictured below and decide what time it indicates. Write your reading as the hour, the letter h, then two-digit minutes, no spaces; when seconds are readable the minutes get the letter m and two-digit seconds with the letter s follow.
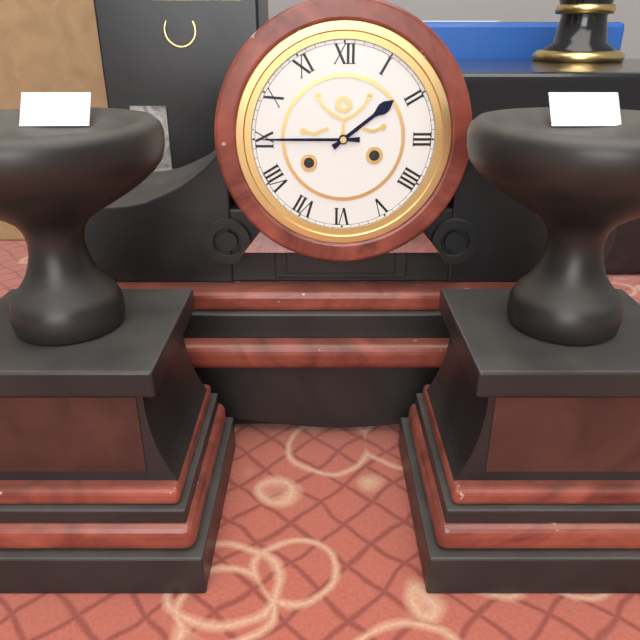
1h45
